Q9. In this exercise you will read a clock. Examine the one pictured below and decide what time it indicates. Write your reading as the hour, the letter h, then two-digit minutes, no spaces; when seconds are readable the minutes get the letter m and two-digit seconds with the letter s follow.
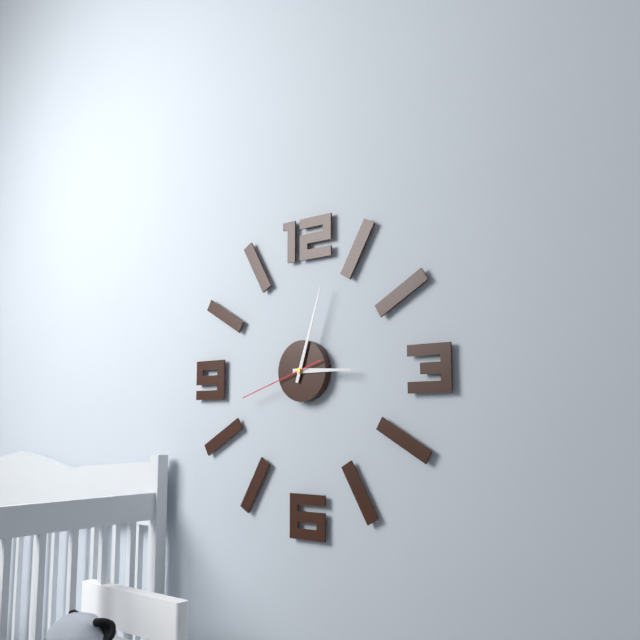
3h03m42s
